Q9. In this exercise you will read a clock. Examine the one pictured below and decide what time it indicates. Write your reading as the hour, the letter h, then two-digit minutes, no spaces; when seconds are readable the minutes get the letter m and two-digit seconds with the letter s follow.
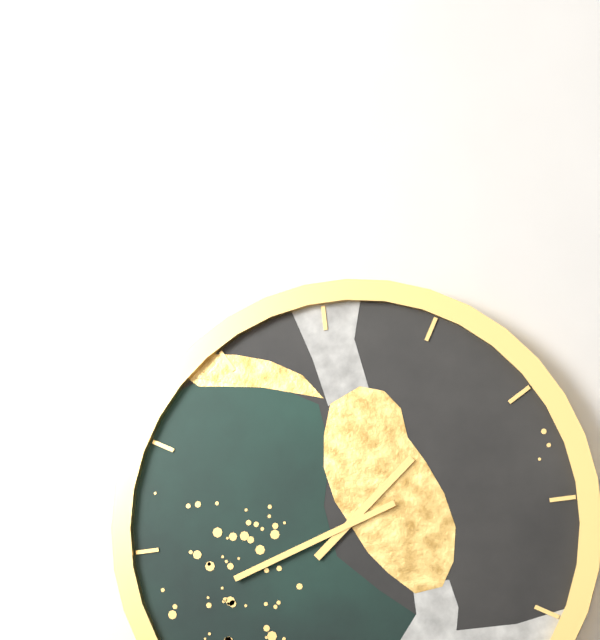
1h42
